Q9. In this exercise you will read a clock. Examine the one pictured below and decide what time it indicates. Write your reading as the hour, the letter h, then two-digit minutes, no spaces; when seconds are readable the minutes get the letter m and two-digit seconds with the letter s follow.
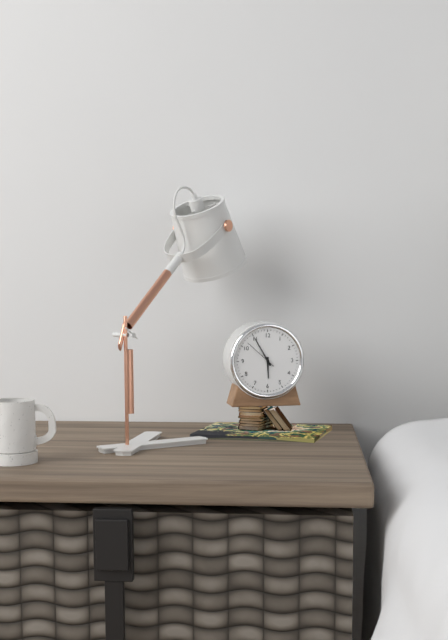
5h55
